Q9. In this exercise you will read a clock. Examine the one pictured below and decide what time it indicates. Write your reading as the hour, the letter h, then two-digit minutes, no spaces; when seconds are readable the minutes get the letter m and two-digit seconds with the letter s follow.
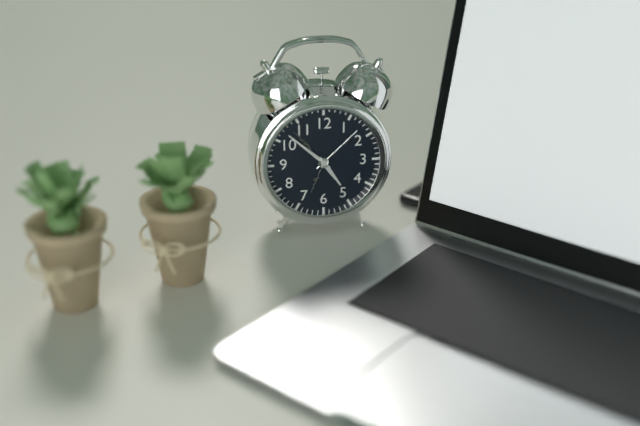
4h52
